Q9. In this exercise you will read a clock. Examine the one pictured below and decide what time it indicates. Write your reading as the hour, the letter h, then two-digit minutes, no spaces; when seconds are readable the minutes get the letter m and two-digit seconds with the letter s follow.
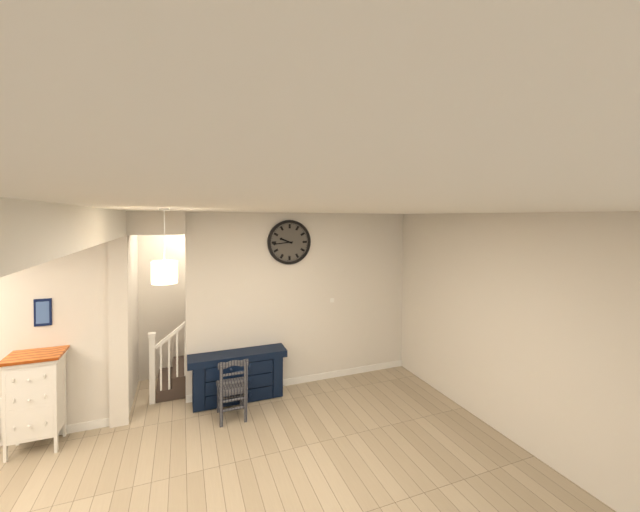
9h44
